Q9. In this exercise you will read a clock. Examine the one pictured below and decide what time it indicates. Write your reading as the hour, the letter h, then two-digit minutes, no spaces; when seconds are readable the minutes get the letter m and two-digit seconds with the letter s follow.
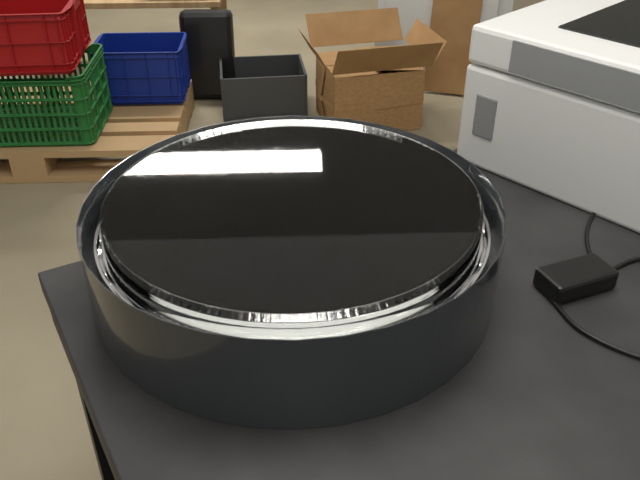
12h58
